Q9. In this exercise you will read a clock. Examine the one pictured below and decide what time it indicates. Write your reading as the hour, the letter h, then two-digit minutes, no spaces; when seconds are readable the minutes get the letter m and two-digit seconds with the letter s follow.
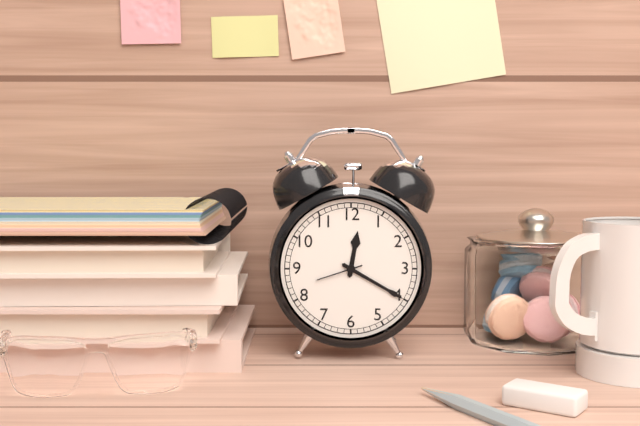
12h20
